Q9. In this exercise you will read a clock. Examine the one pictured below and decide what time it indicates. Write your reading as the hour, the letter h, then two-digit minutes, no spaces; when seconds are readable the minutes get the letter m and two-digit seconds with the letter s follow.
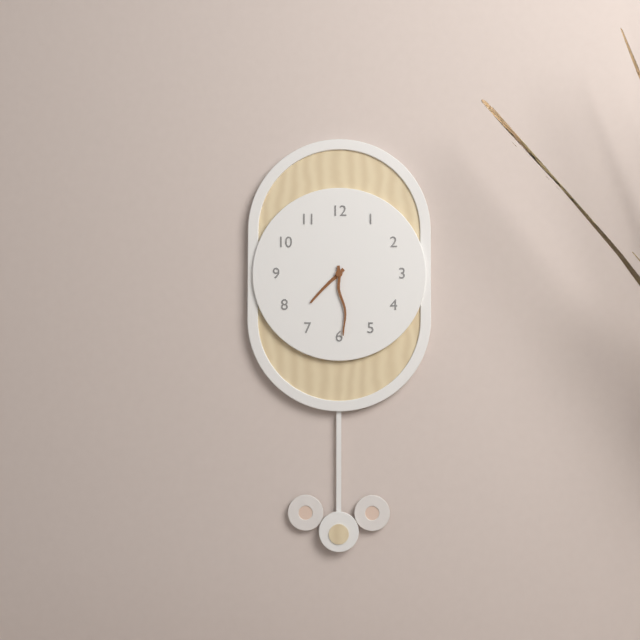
7h29
